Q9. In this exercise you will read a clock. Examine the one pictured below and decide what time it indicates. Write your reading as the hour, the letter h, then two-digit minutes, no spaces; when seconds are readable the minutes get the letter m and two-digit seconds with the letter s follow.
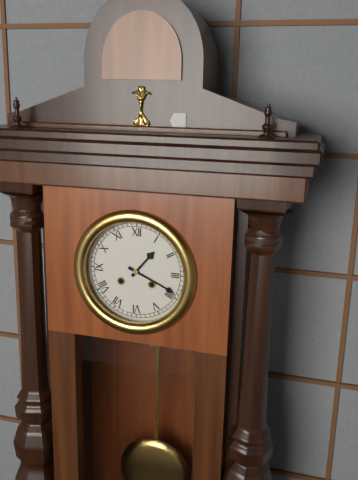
1h19
